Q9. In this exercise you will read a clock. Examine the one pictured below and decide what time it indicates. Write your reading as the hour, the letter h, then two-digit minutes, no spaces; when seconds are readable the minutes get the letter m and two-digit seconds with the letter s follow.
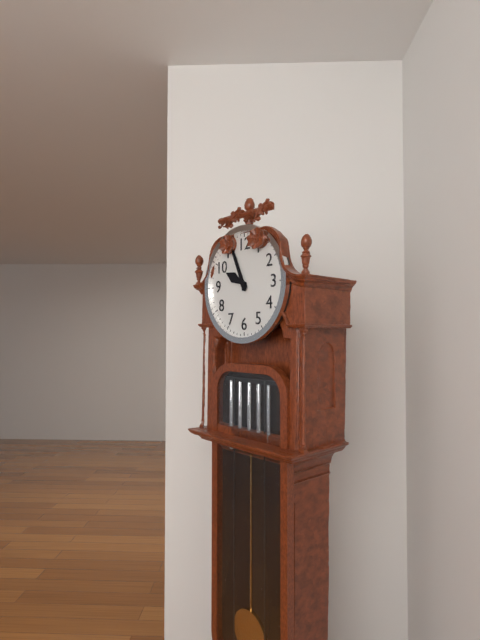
9h56
